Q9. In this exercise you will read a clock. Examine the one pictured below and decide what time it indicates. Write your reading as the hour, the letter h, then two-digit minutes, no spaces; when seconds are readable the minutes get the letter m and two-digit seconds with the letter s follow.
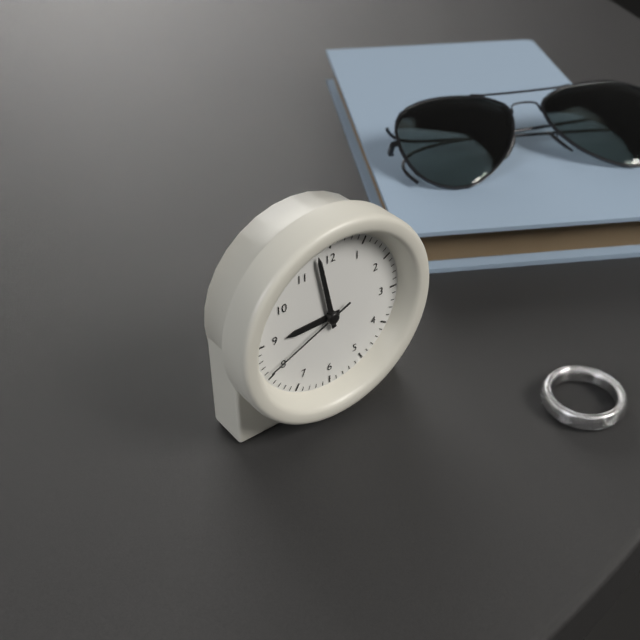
8h58m41s
